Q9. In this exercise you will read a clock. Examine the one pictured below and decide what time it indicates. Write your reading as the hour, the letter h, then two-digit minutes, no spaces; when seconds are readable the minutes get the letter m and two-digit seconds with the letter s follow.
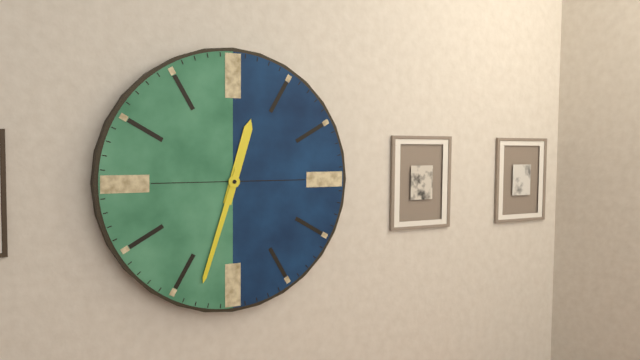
12h33
